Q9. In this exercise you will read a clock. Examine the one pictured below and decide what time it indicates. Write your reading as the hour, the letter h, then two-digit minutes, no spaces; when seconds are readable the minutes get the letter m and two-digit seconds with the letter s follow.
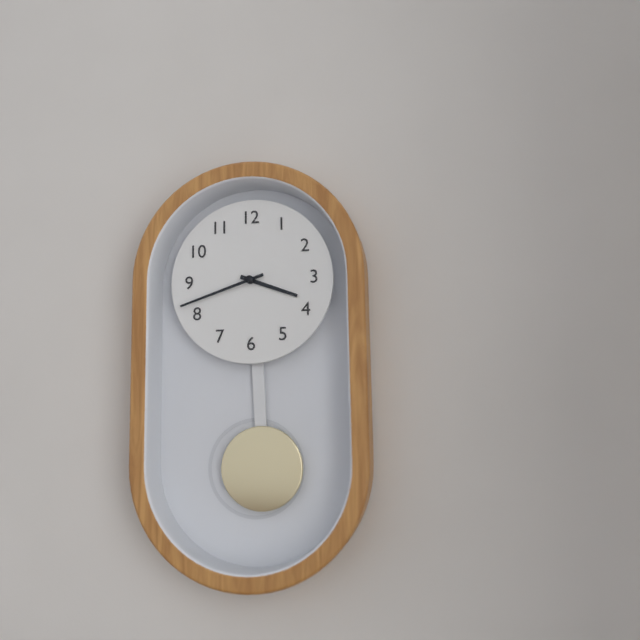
3h42
